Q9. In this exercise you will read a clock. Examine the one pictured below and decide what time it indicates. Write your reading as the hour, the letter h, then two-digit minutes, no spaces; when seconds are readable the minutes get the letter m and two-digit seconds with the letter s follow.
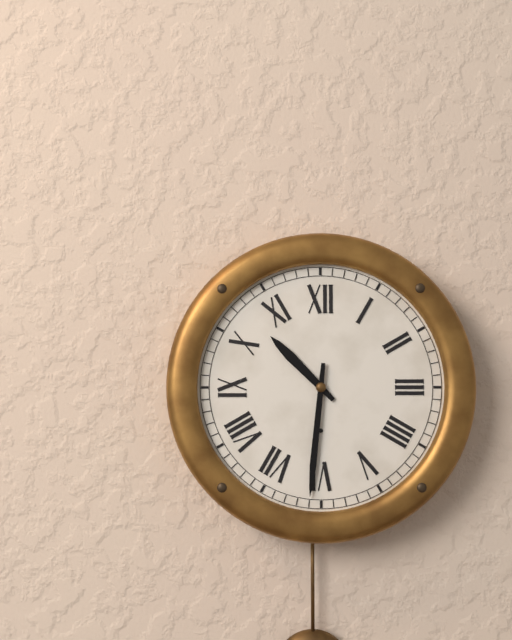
10h31
